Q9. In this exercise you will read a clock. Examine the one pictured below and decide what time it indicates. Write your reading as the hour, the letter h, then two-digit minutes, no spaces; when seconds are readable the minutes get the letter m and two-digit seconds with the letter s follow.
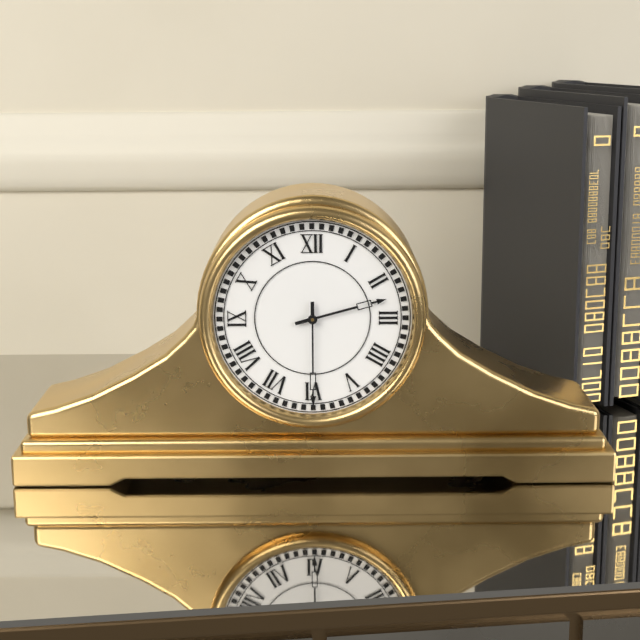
2h30
